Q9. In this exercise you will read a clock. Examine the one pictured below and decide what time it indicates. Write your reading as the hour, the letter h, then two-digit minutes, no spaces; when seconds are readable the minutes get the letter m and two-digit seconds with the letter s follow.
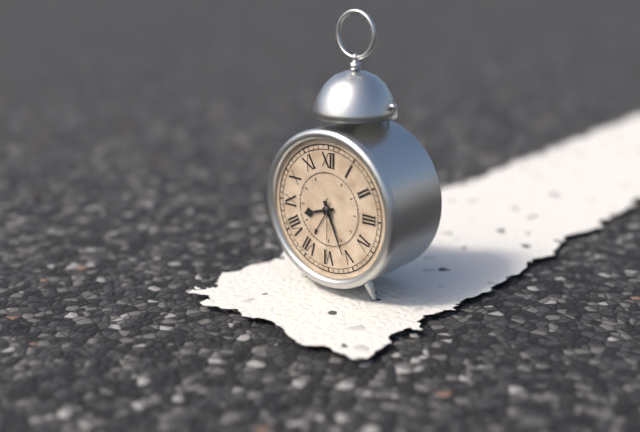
8h26m30s
